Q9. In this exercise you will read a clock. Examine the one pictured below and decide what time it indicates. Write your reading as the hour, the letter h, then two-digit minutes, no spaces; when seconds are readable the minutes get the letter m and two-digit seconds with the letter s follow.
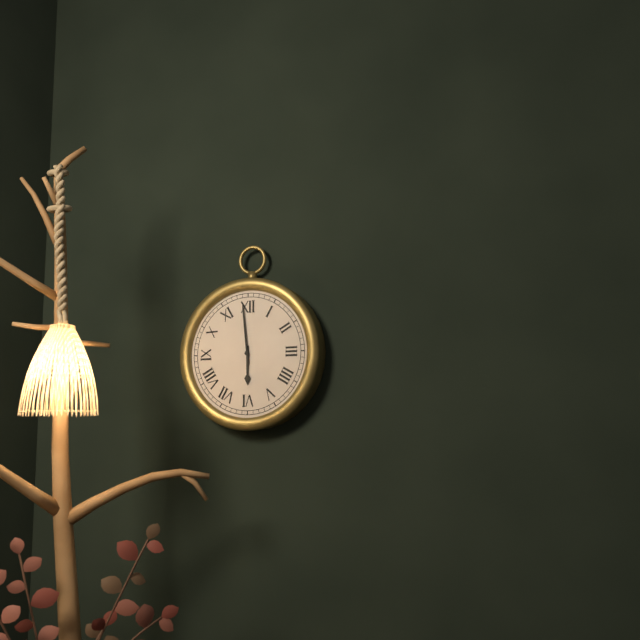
5h59
